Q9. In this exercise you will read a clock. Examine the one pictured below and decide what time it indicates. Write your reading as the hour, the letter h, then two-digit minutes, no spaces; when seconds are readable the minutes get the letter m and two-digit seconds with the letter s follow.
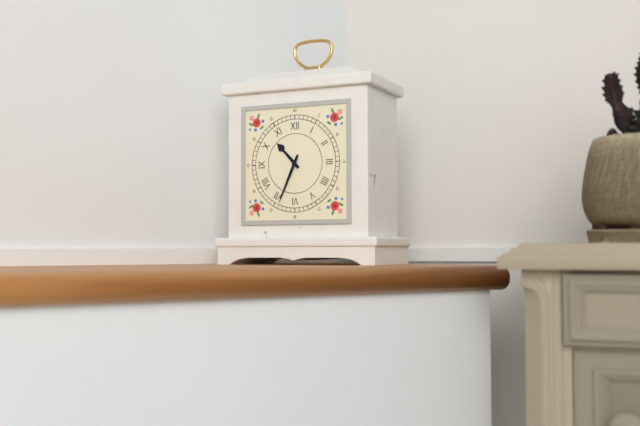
10h34
